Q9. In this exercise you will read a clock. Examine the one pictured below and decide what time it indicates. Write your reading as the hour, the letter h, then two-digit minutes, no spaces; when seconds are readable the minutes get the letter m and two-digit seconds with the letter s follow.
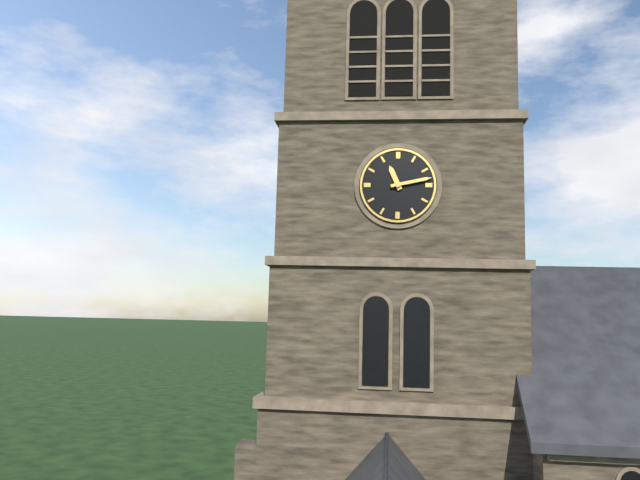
11h13
